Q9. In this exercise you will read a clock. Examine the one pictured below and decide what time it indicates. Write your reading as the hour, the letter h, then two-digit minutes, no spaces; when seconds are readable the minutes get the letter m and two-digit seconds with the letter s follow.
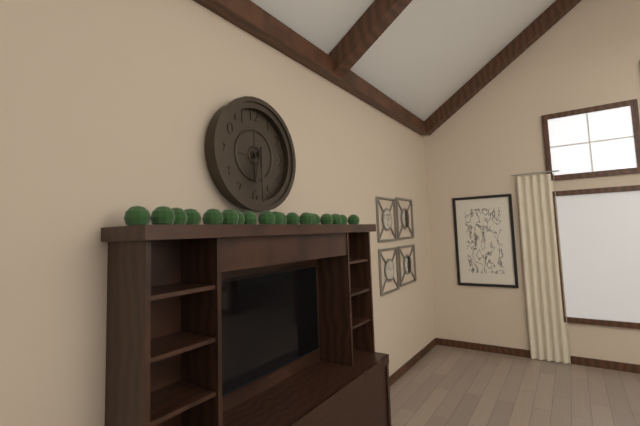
6h30
